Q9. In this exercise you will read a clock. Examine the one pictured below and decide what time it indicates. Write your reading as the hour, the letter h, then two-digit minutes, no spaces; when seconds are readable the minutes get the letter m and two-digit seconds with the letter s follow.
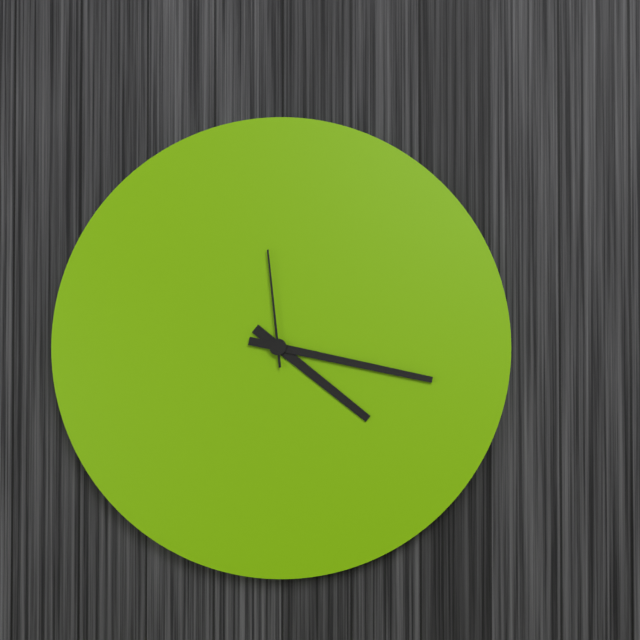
4h17m59s
